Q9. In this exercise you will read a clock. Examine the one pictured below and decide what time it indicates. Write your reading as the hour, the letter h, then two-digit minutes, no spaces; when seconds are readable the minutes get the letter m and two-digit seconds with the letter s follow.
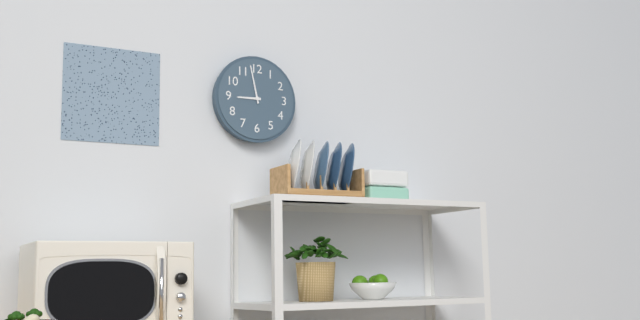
8h58
